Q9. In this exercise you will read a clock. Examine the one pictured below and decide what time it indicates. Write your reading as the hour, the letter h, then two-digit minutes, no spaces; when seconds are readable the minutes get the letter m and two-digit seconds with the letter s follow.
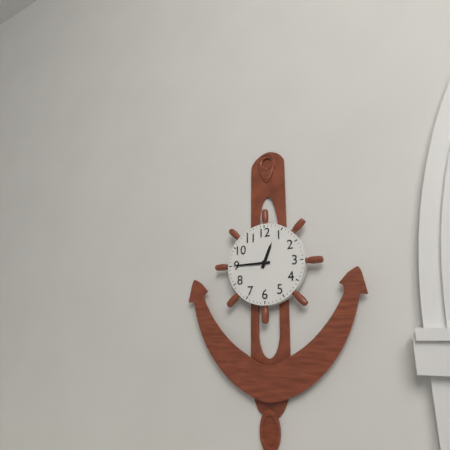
12h45
